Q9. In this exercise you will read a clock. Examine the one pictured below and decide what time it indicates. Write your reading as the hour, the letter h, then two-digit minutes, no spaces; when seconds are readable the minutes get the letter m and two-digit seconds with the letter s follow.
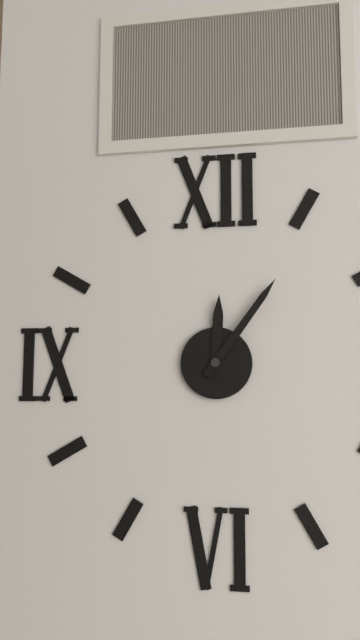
12h06
